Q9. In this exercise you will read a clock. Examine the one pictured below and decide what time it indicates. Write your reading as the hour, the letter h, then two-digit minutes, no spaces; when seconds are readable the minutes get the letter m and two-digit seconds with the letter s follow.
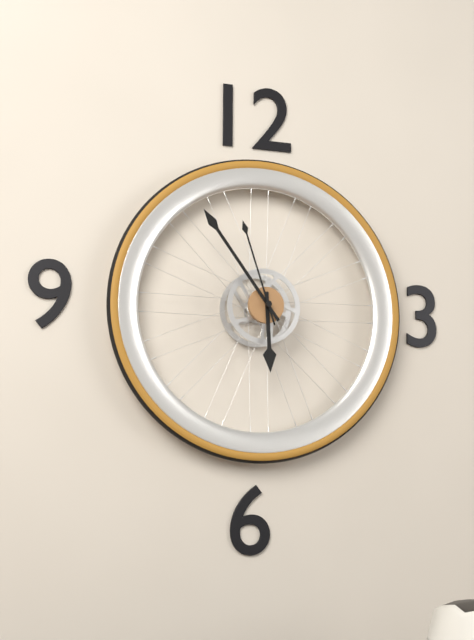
5h54m57s
